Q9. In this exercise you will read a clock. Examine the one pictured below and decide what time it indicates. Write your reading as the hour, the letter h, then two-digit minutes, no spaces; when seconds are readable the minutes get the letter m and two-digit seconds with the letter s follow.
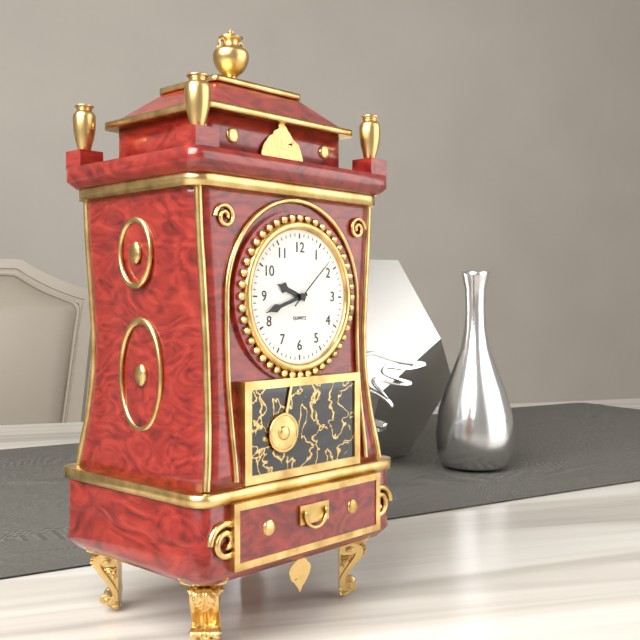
9h42m08s
